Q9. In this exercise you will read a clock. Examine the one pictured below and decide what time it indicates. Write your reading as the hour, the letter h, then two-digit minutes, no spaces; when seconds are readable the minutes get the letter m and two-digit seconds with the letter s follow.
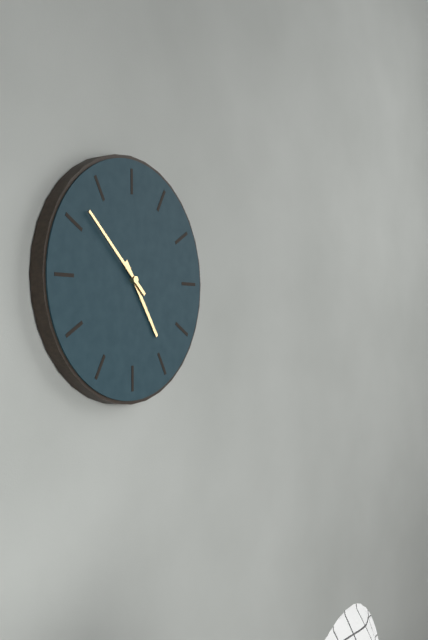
4h52
